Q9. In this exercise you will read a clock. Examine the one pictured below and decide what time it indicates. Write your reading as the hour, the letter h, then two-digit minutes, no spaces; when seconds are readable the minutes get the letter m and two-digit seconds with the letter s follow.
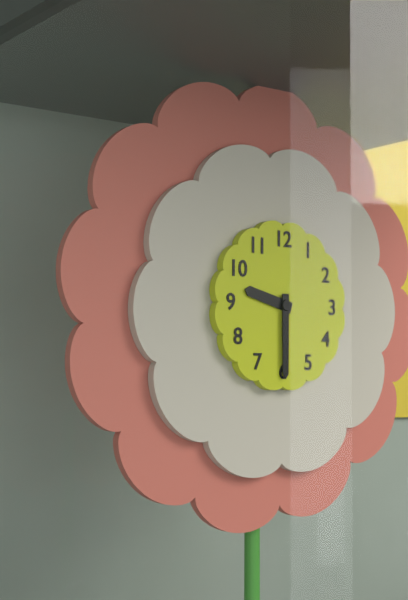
9h30
